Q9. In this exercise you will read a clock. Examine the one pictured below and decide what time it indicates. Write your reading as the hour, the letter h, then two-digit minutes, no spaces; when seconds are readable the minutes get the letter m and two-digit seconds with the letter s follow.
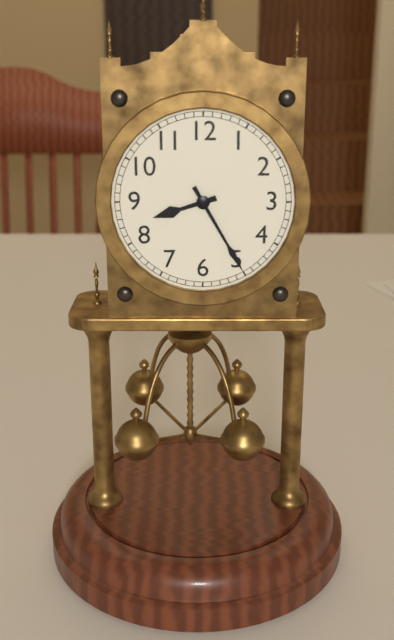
8h25
